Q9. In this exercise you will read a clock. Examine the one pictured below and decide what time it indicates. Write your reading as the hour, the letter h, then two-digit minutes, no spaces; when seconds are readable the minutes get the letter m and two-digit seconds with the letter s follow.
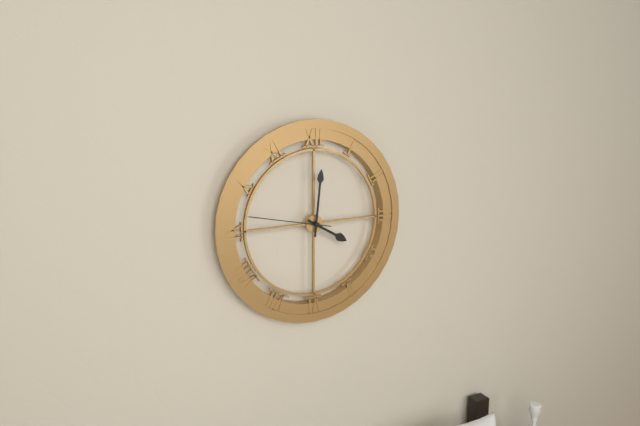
4h01m47s
